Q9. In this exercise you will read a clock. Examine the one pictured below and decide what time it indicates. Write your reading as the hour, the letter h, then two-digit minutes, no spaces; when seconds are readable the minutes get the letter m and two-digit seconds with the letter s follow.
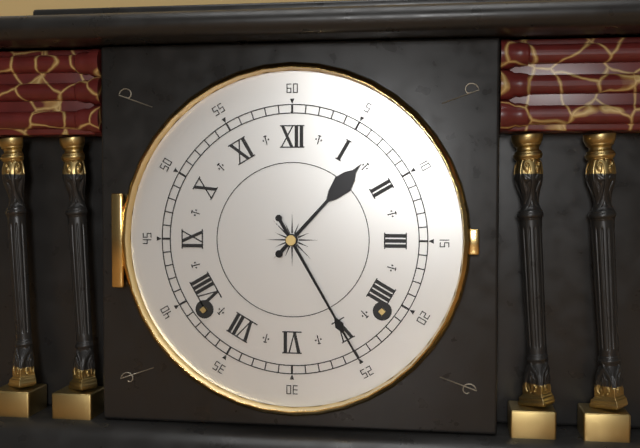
1h25
